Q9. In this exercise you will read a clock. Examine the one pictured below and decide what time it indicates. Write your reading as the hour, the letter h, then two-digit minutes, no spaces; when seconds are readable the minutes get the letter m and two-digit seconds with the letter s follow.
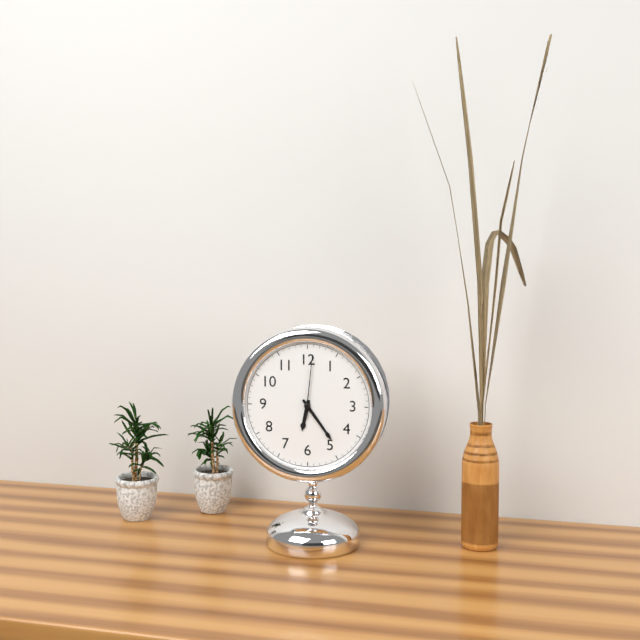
6h24m01s
